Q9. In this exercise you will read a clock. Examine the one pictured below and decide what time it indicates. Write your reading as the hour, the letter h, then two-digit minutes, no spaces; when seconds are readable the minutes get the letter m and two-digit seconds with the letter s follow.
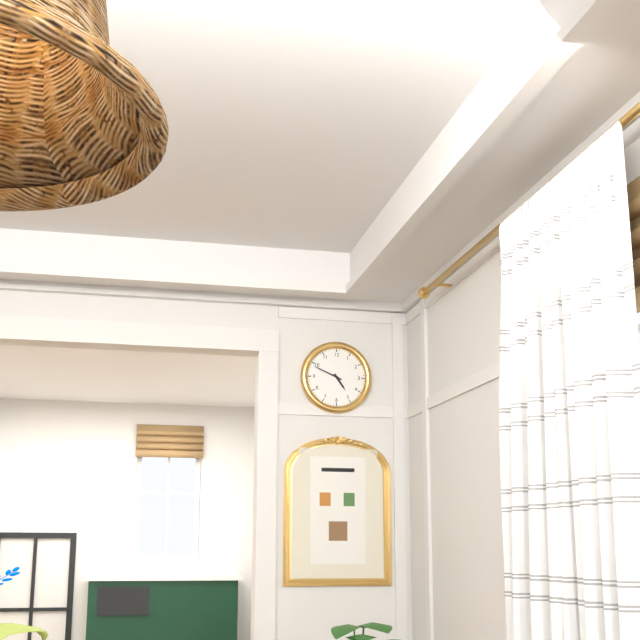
4h49
